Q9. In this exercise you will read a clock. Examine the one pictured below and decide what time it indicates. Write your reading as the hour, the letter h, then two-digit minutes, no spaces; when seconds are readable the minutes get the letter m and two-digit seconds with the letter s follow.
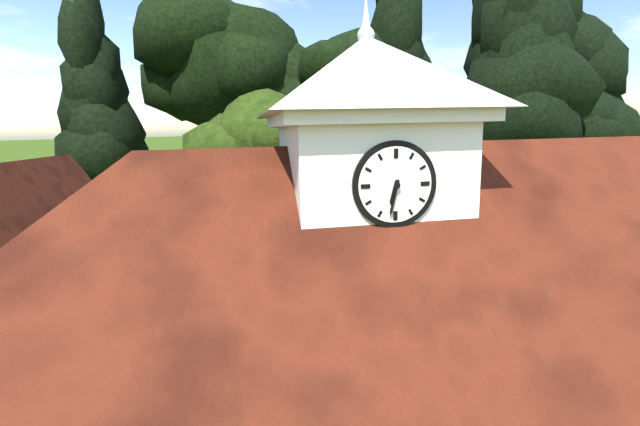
6h32
